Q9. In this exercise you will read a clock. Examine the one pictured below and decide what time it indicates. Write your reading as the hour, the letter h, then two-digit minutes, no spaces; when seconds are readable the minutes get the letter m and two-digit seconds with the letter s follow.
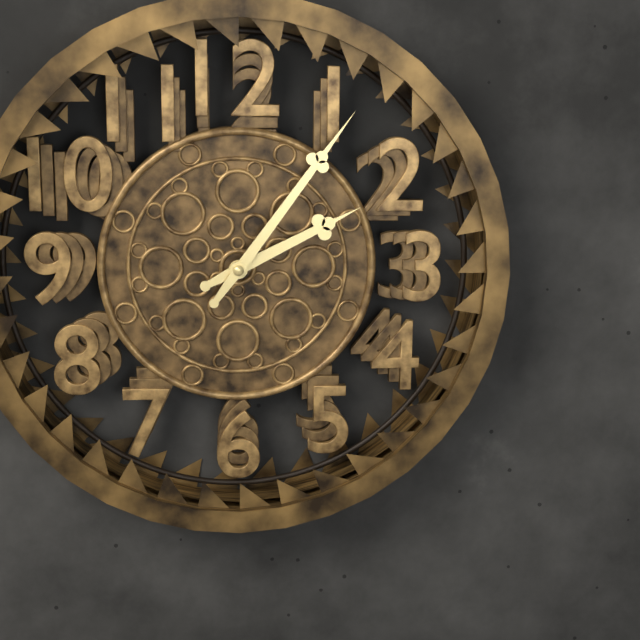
2h06
